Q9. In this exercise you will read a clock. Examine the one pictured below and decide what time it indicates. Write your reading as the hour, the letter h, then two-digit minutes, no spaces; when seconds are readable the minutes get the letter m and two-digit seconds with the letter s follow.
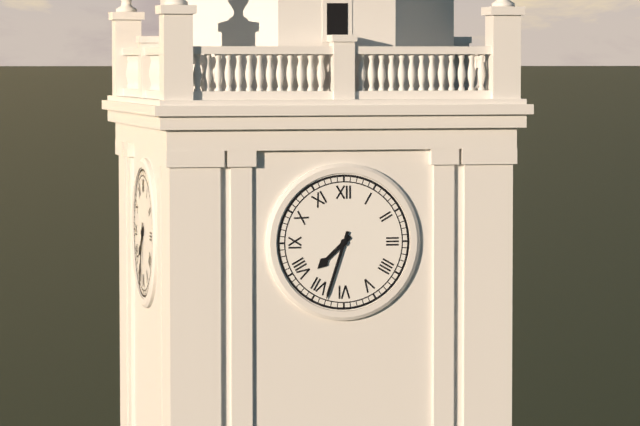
7h33
